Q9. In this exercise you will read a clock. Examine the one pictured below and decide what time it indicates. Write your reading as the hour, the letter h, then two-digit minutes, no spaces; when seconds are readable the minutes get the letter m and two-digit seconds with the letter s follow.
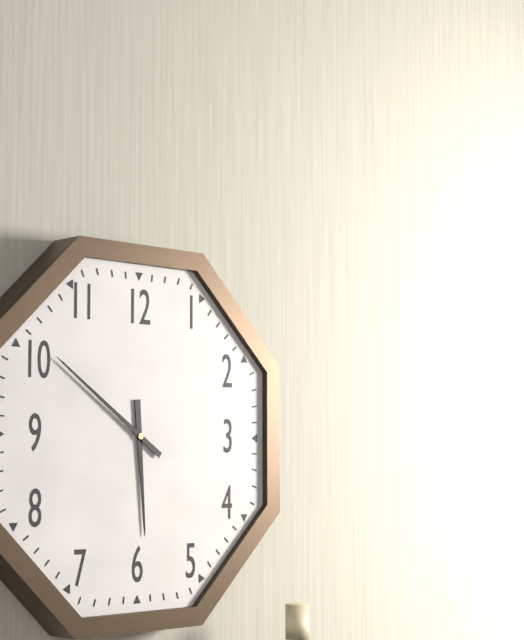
5h51
